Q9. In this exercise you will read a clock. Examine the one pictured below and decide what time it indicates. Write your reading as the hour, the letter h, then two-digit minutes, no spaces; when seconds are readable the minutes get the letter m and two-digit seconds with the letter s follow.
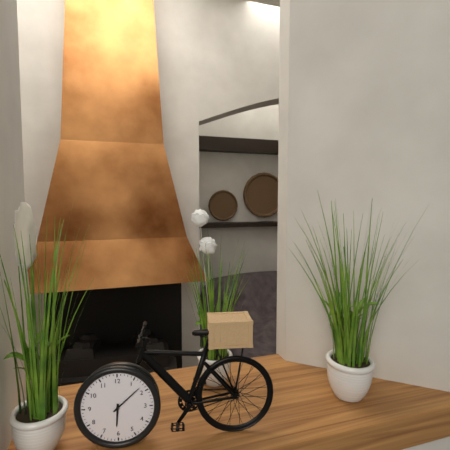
6h08
